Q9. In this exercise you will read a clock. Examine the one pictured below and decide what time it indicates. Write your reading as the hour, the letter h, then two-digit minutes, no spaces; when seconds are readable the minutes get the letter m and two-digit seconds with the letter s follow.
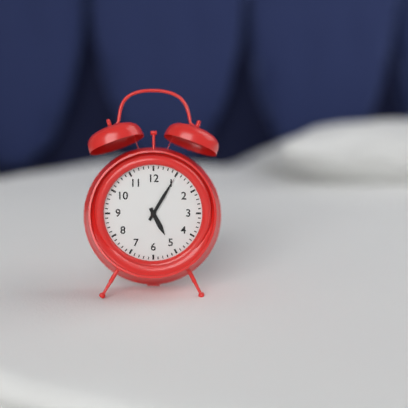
5h05
